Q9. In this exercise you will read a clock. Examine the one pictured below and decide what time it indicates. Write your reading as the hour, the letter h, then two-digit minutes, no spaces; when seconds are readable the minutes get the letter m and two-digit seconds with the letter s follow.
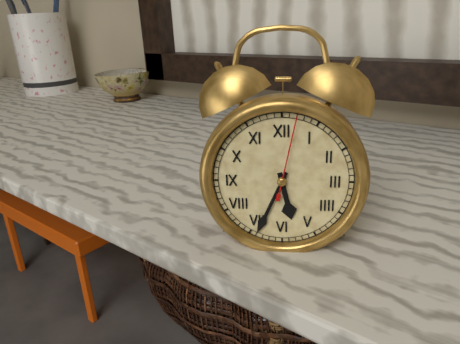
5h34m02s
